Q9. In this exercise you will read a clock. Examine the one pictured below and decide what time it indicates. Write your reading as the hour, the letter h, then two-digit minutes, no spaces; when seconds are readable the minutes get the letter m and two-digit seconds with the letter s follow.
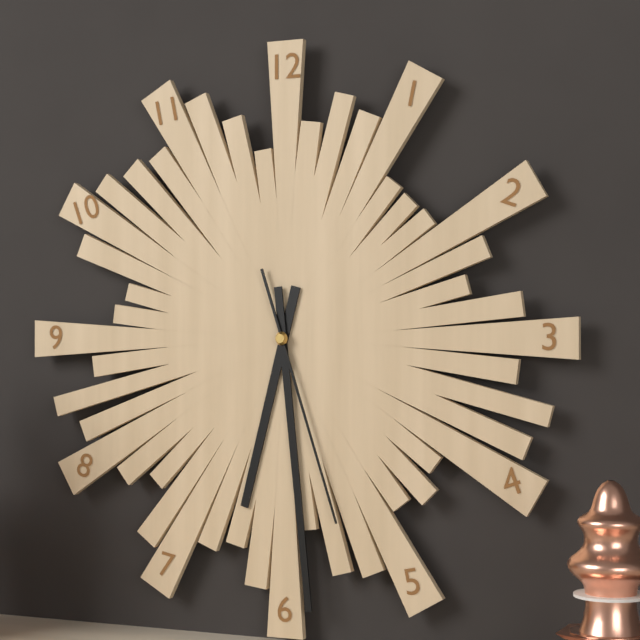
6h29m27s
